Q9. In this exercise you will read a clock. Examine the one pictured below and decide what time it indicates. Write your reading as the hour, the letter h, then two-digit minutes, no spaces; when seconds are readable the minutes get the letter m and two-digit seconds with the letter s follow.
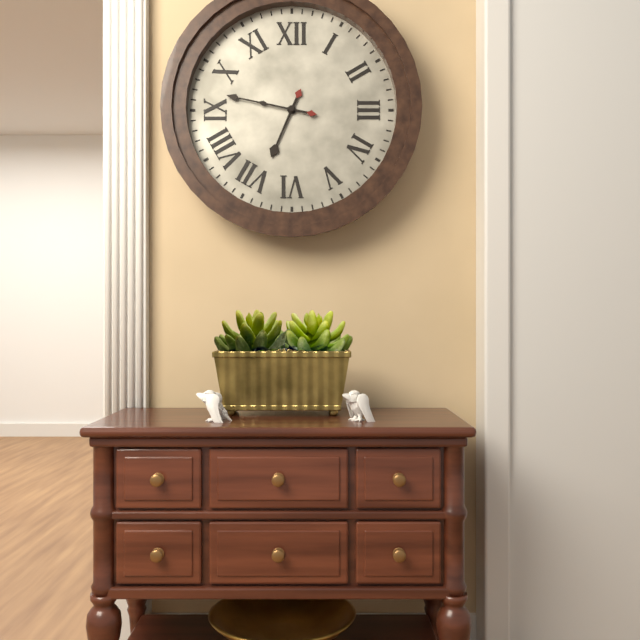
6h47
